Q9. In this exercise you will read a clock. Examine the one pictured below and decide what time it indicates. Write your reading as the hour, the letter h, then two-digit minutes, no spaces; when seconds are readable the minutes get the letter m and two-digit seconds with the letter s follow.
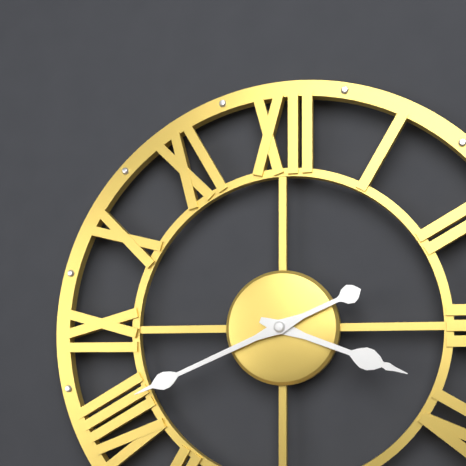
3h41
